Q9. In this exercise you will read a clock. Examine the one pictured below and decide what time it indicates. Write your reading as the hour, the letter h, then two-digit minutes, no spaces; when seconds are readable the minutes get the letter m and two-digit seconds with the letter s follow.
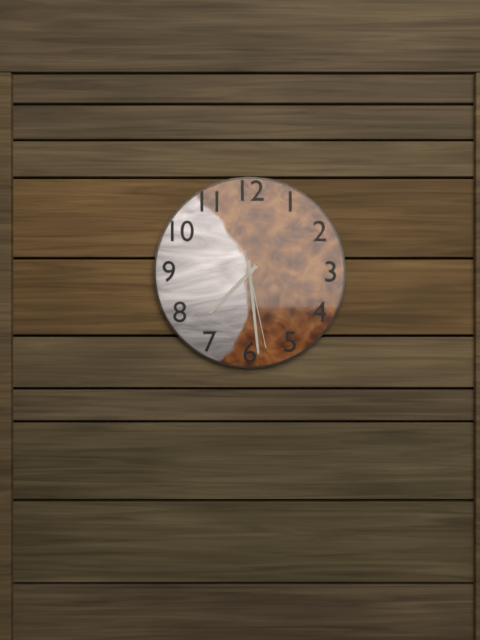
7h29m28s
